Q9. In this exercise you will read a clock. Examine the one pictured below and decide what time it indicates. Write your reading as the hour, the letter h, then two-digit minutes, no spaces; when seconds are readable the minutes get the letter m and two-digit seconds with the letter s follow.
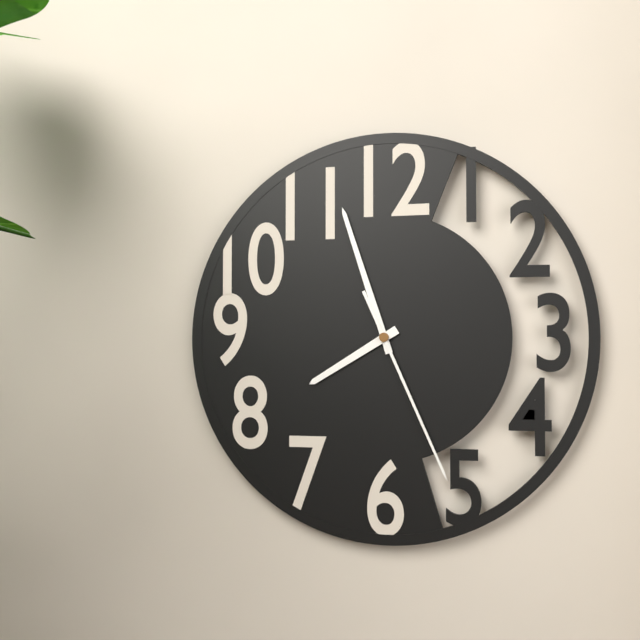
7h57m26s
